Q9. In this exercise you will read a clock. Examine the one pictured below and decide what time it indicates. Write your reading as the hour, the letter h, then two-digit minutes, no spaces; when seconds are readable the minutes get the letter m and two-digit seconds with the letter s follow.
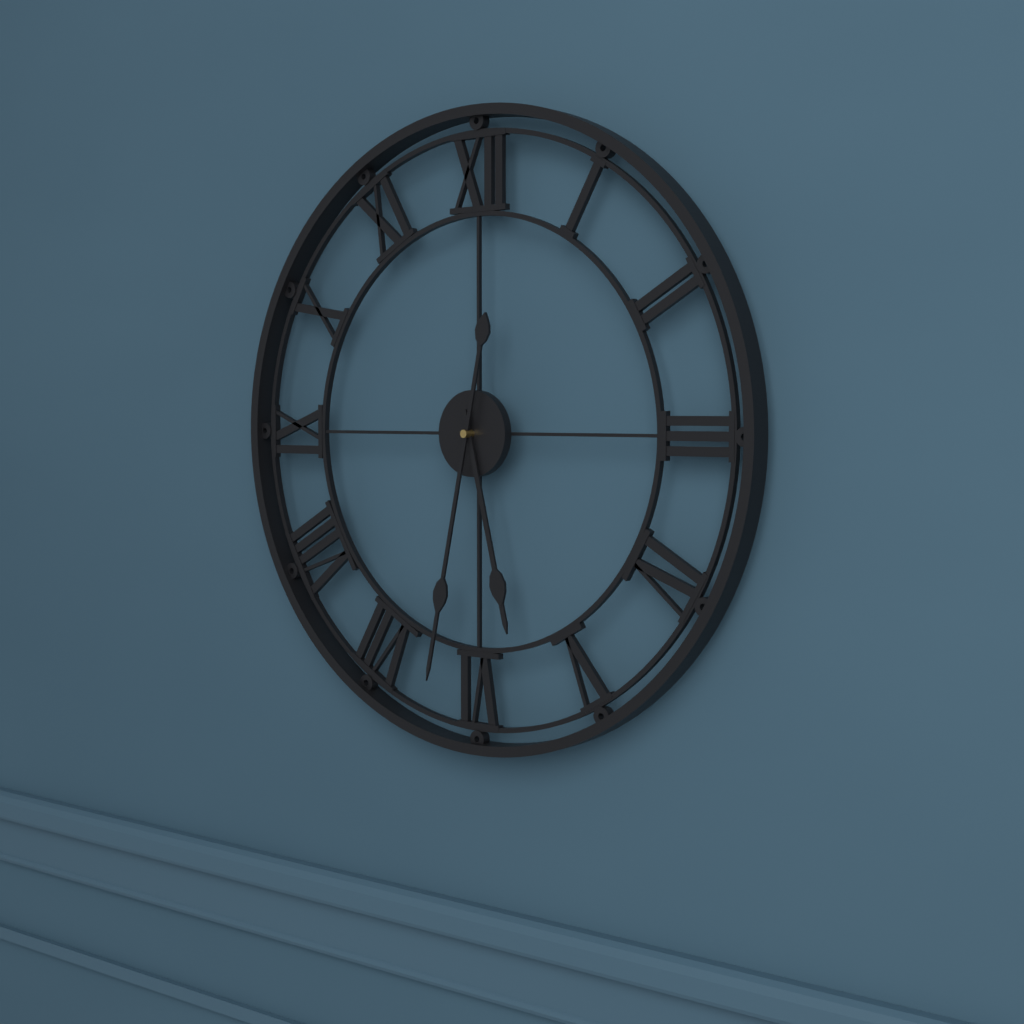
5h32
